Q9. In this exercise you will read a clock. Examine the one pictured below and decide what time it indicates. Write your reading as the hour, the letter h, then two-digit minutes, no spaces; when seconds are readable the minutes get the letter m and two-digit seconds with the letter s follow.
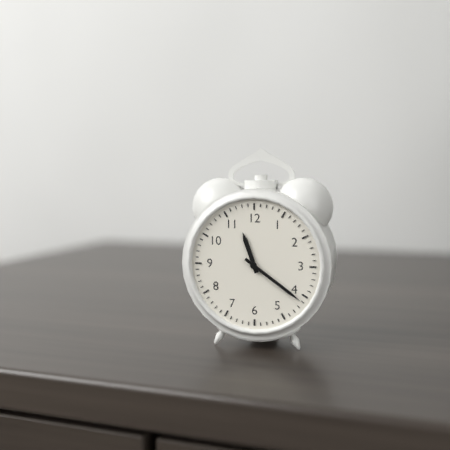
11h21
